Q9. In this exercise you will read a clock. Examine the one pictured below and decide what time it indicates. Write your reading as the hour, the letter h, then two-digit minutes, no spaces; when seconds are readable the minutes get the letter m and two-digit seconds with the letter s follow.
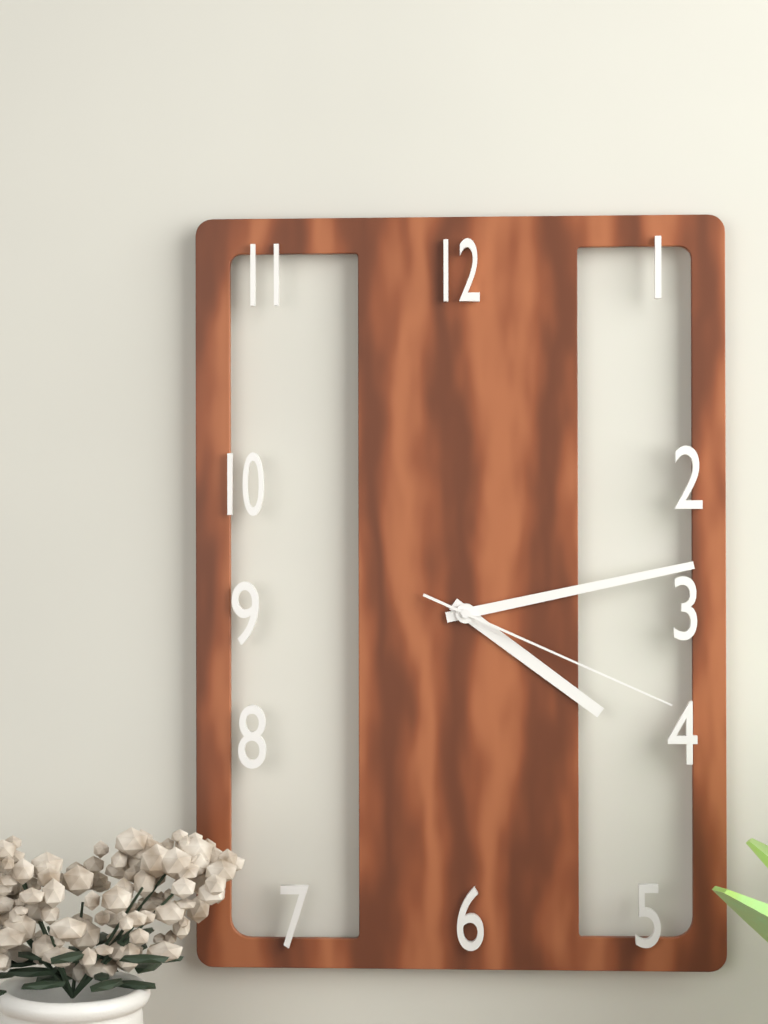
4h13m19s
